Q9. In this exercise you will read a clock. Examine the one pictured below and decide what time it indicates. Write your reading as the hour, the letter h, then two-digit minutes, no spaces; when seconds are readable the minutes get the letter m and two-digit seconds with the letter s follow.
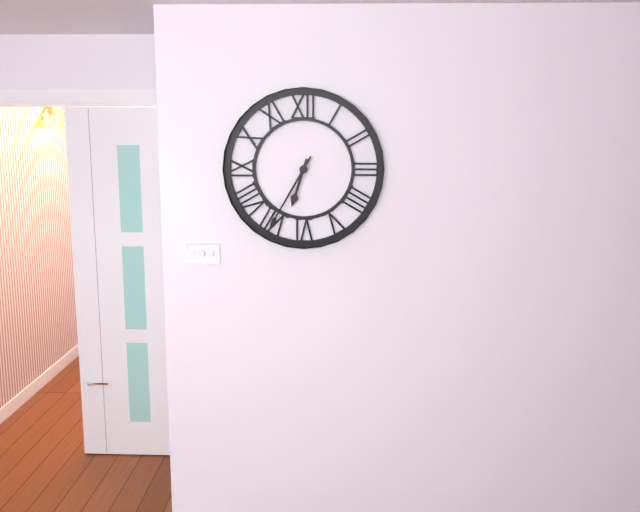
6h35
